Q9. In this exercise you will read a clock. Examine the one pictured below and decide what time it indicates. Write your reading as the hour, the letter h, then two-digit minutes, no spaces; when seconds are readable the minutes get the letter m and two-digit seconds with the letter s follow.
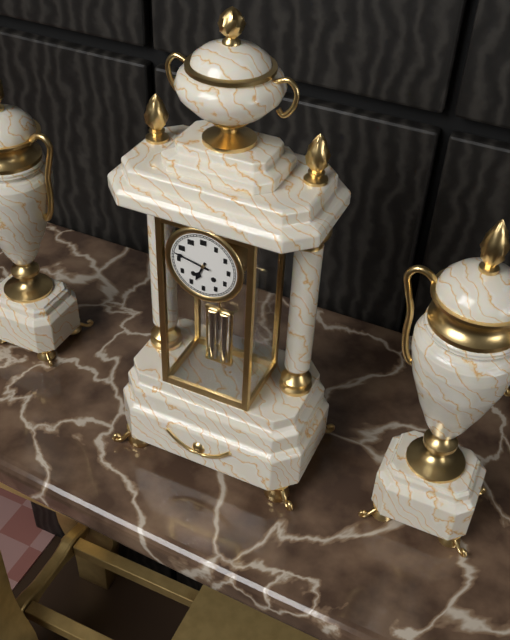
6h47
